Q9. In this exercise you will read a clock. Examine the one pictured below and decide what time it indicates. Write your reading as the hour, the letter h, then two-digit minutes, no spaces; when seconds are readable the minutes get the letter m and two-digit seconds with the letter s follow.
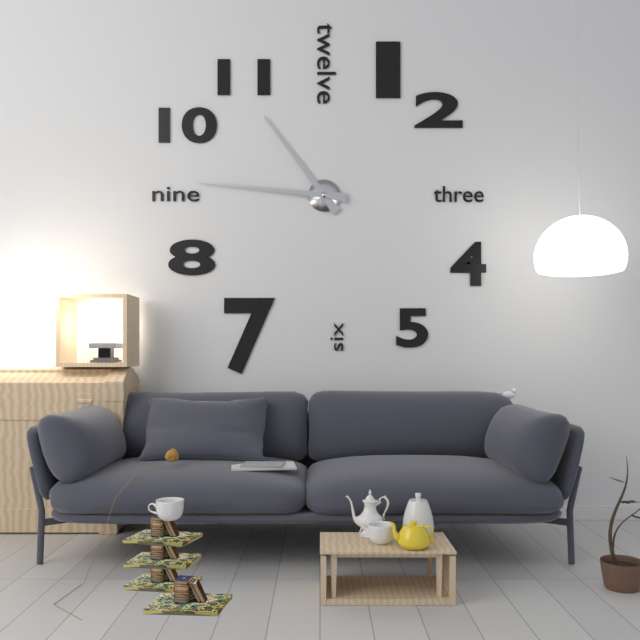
10h46
